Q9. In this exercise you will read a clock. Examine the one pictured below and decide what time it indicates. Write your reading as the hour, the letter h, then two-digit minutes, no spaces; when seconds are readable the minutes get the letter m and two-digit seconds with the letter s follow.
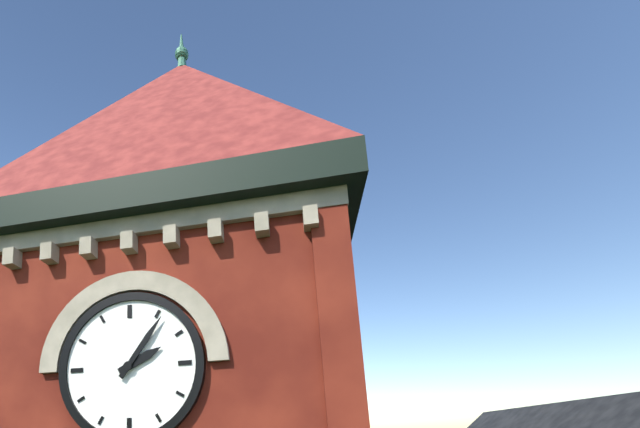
2h06
